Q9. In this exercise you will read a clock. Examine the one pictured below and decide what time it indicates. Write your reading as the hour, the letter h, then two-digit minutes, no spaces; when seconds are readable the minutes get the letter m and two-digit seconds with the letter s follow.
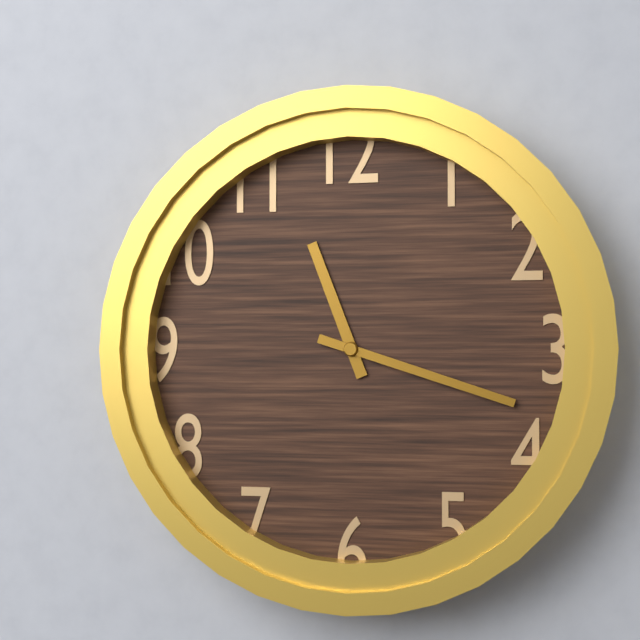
11h18
